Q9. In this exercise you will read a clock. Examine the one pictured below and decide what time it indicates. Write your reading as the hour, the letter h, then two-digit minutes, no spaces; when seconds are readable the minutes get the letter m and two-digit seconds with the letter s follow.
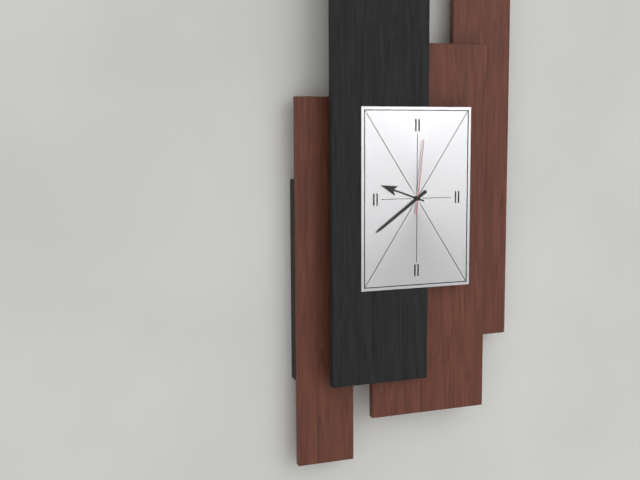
9h39m01s
